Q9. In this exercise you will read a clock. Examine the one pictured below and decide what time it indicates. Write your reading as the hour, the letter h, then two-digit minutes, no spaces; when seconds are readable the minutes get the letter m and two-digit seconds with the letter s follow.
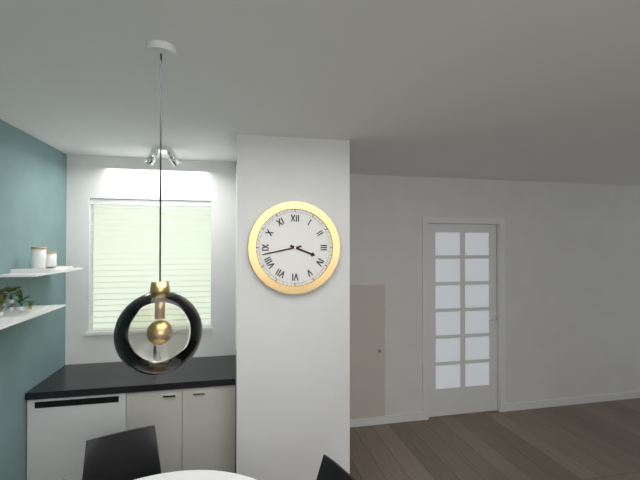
3h43
